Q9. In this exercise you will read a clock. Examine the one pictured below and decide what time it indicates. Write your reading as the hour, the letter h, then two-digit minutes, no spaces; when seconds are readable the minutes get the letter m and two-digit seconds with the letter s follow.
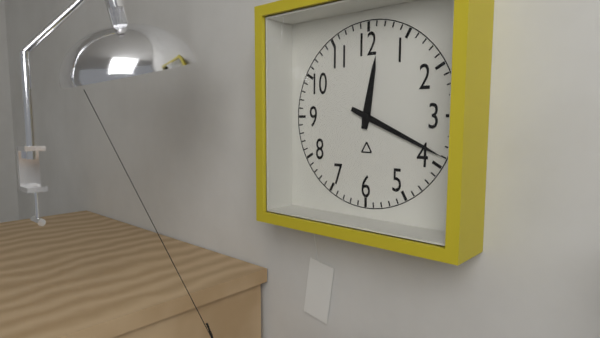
12h19
